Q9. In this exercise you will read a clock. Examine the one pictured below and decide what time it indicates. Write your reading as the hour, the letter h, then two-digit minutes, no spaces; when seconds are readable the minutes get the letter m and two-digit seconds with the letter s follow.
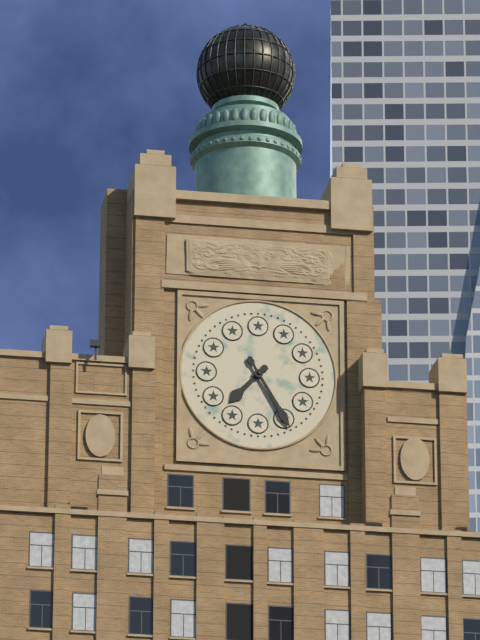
7h25
